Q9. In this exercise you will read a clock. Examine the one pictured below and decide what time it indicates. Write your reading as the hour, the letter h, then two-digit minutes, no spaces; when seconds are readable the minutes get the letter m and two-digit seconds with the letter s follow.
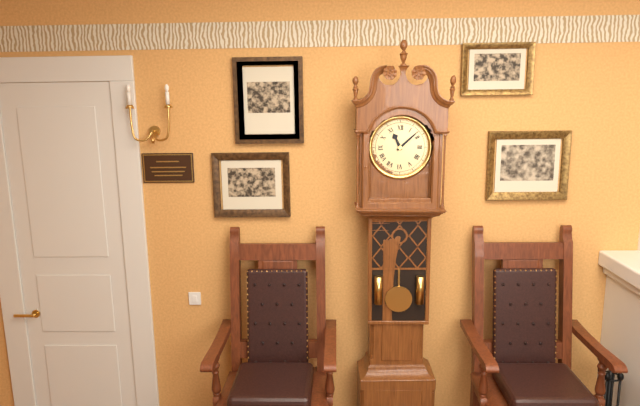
11h08
